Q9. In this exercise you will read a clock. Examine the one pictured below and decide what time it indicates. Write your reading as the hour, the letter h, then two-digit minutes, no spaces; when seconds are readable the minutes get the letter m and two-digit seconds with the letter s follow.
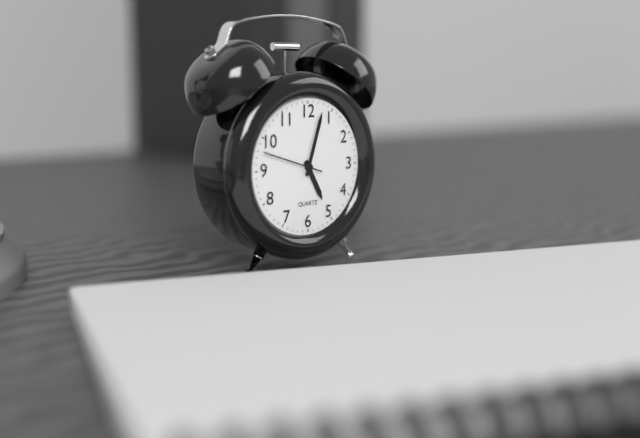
5h03m48s
